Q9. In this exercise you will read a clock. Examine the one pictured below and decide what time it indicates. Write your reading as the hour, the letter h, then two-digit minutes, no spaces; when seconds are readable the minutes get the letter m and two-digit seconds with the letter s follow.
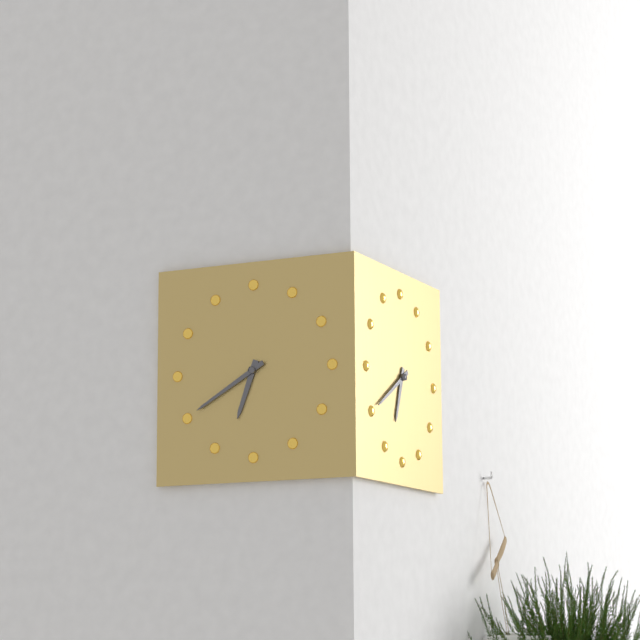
6h40
